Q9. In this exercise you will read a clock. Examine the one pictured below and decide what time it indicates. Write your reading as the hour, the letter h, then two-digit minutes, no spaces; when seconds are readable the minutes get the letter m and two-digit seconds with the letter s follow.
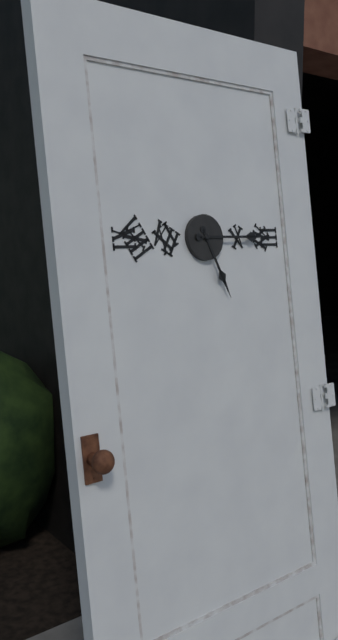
5h15
